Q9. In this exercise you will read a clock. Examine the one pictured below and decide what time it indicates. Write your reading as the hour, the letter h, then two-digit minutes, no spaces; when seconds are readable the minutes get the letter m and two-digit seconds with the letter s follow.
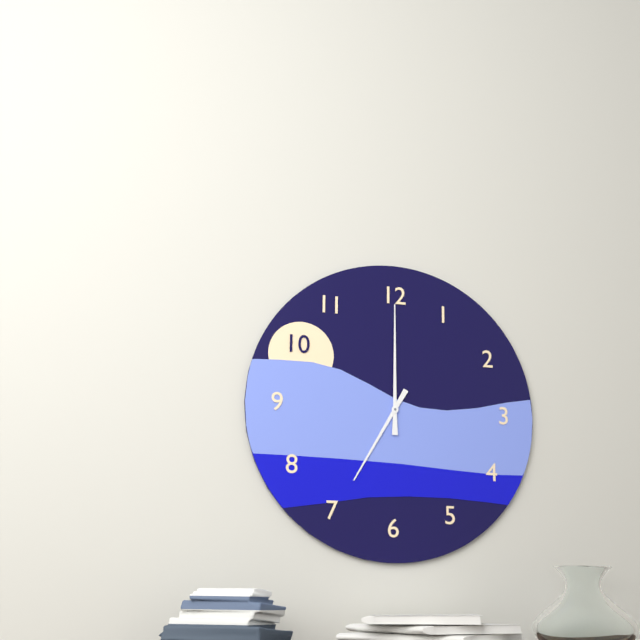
7h00
